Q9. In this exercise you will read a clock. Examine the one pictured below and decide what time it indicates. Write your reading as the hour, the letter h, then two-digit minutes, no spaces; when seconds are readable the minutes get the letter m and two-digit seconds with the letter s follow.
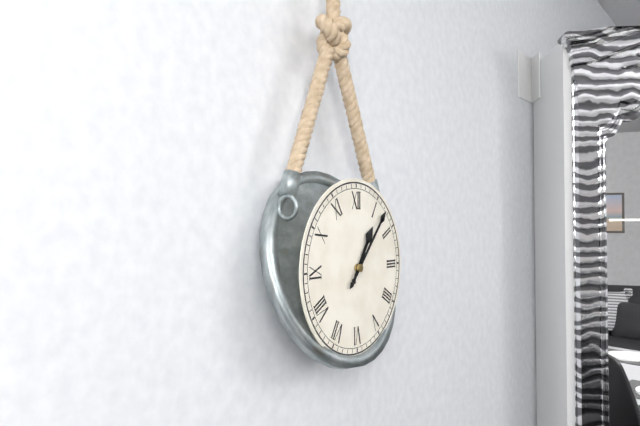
1h07
